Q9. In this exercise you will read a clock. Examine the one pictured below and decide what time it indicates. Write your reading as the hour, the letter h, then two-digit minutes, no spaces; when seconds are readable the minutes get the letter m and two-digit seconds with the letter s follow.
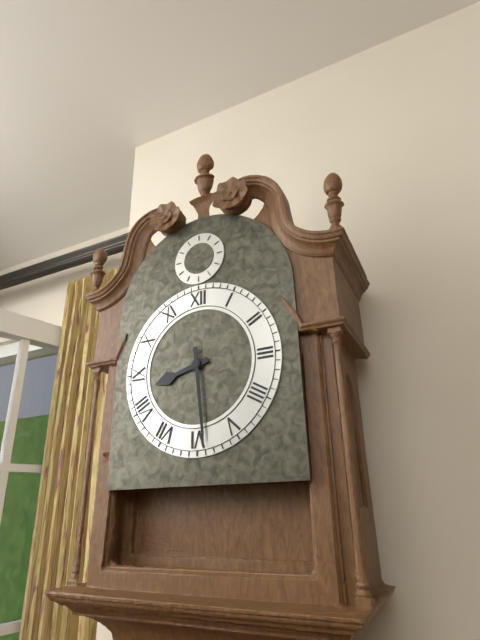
8h29
